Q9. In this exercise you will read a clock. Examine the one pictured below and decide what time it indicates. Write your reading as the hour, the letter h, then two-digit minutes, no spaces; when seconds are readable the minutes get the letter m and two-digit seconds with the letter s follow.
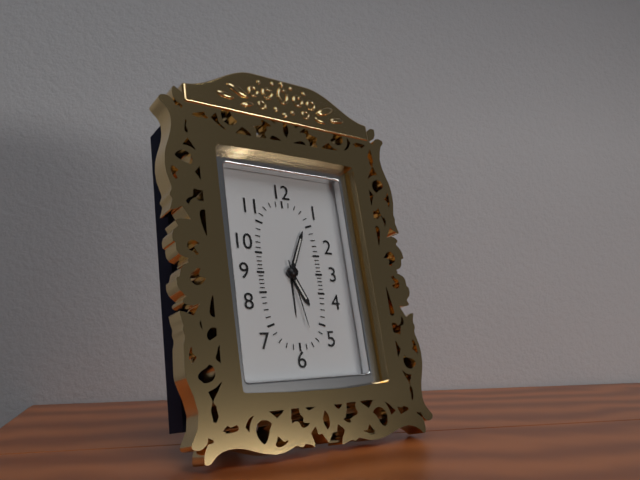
5h04m28s
